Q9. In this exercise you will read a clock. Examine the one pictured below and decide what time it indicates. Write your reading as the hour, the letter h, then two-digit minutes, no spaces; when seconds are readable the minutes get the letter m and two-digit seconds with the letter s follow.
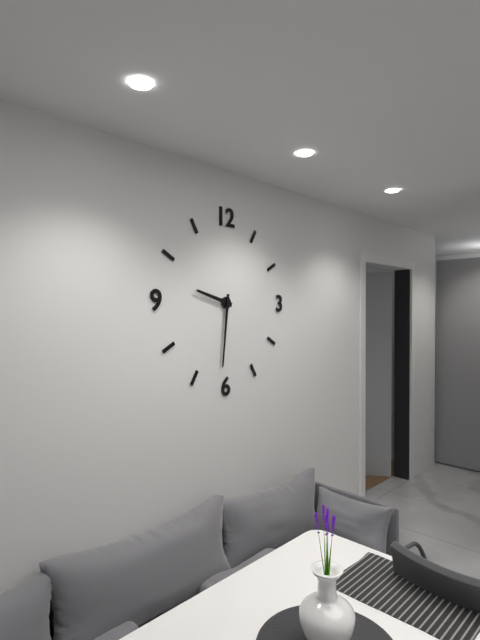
9h31
